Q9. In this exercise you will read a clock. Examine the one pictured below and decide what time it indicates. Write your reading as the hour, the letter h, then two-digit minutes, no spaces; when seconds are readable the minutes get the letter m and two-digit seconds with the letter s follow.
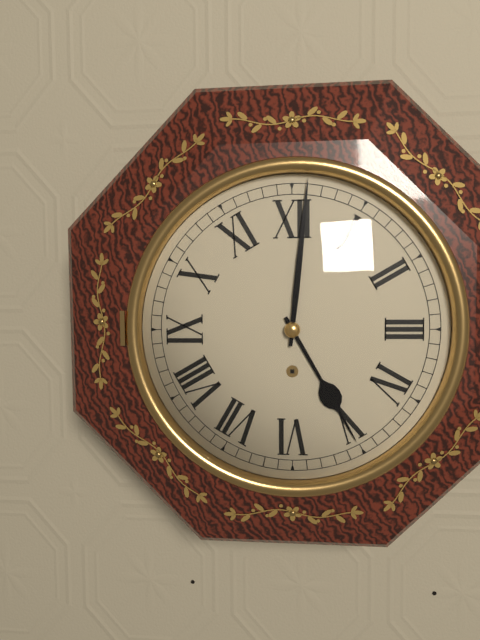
5h01
